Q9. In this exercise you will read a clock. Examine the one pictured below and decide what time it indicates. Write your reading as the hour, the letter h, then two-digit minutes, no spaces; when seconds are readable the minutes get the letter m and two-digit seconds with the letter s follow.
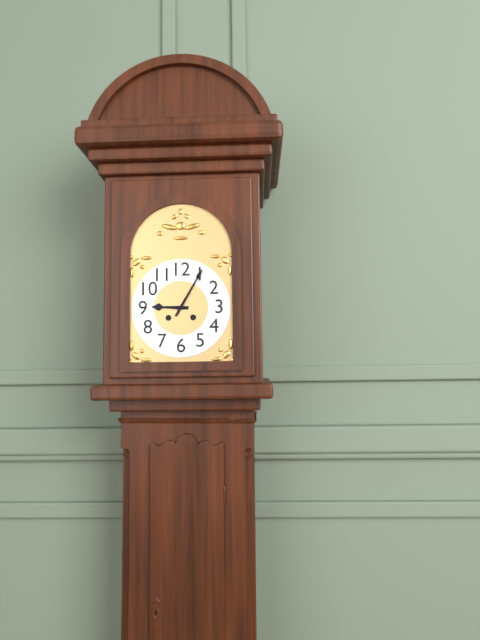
9h05
